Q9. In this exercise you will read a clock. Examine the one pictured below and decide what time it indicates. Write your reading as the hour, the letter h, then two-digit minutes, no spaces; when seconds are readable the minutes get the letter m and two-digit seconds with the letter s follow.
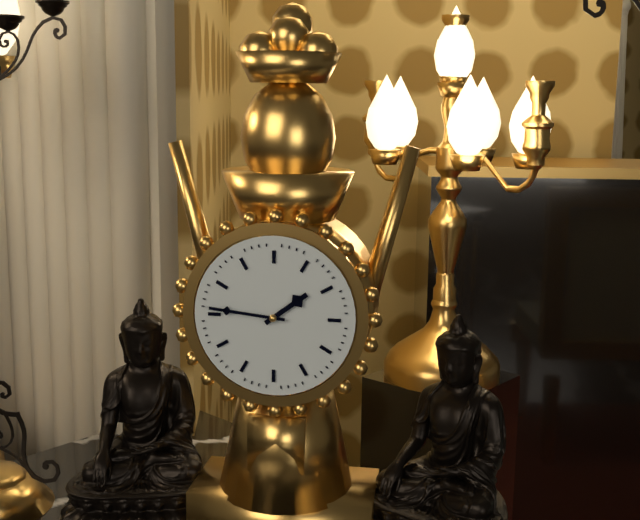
1h46
